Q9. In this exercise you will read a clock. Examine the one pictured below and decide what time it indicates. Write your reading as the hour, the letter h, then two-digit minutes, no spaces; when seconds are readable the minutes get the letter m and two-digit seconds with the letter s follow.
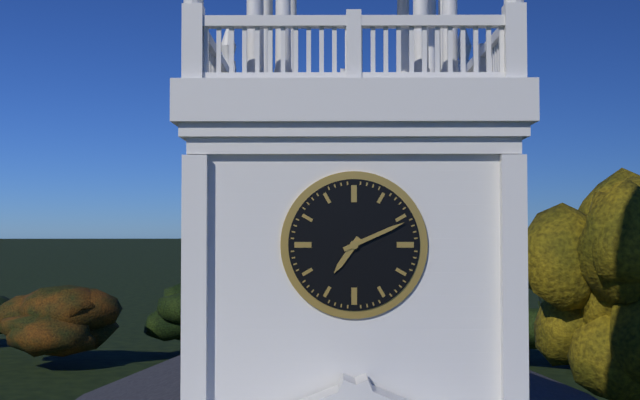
7h11
